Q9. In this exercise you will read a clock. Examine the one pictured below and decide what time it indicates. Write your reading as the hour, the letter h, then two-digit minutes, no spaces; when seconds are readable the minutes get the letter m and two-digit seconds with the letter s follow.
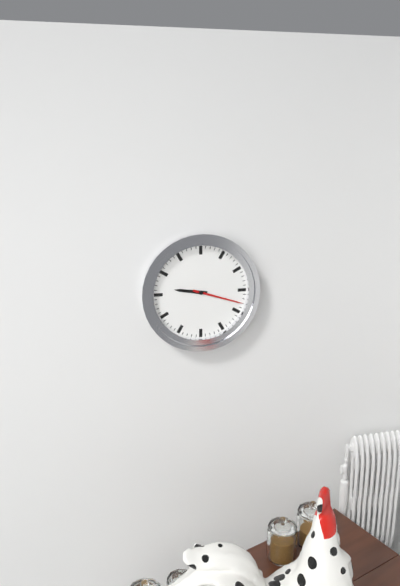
9h18
